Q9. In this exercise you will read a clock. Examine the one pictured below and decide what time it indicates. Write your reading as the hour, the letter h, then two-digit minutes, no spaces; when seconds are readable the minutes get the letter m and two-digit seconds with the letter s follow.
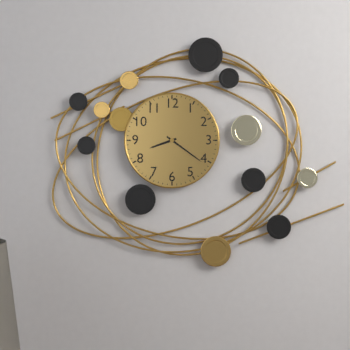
8h21
